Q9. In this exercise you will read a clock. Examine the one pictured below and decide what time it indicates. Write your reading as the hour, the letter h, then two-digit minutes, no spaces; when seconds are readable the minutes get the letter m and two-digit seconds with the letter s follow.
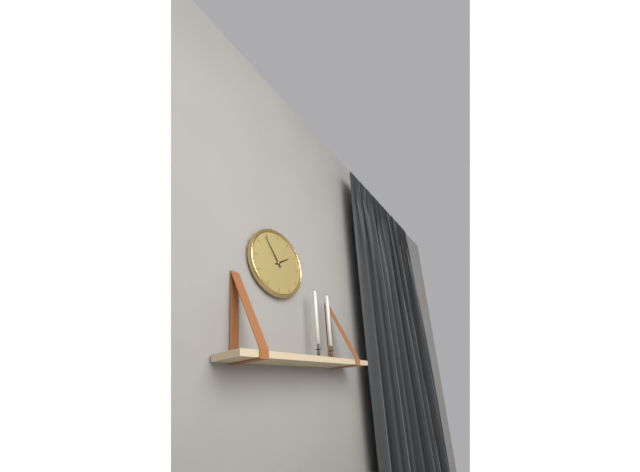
1h54
